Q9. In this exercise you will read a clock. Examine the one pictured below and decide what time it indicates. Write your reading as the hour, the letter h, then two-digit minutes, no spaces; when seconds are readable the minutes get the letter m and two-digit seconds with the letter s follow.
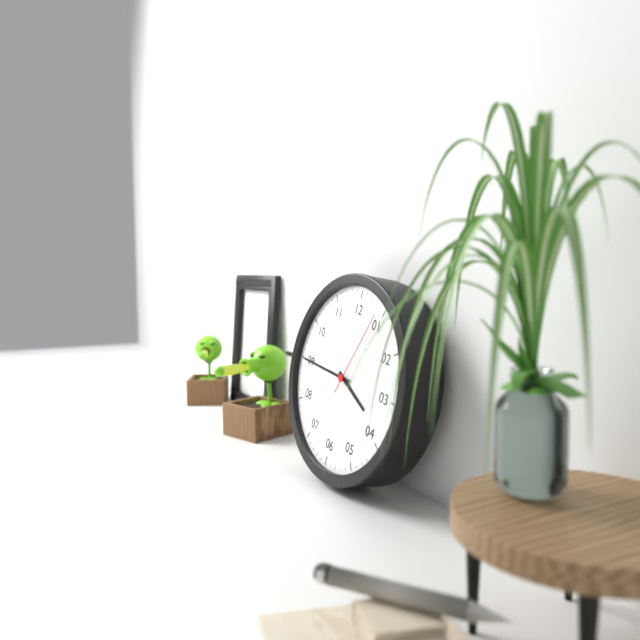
3h45m04s
